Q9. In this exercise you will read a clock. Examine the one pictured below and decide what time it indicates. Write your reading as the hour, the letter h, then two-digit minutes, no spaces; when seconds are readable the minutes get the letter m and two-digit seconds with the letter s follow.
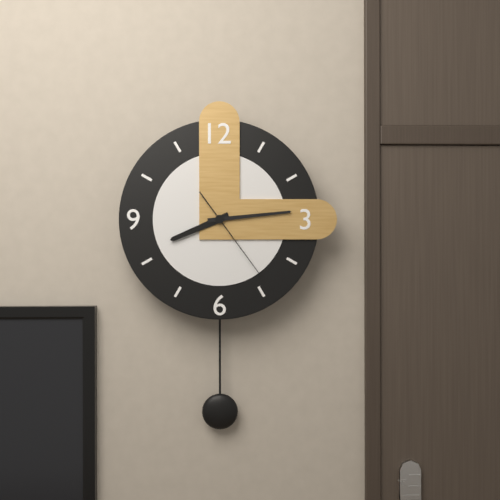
8h14m24s
